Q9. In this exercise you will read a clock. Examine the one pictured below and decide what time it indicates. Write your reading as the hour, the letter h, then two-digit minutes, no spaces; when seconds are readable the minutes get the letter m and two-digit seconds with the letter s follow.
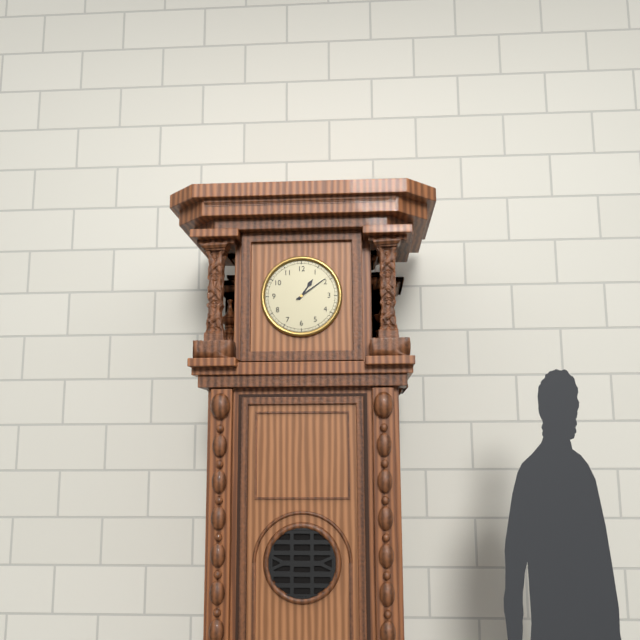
1h09
